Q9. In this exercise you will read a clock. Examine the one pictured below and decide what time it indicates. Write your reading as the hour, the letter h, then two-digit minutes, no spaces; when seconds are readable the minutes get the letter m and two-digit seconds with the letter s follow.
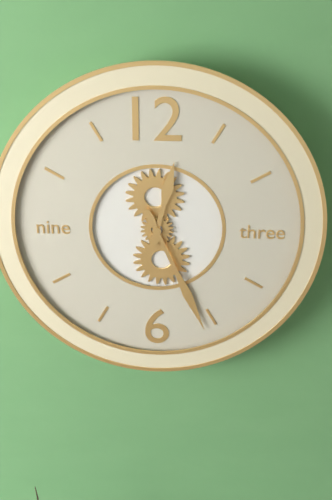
12h26
